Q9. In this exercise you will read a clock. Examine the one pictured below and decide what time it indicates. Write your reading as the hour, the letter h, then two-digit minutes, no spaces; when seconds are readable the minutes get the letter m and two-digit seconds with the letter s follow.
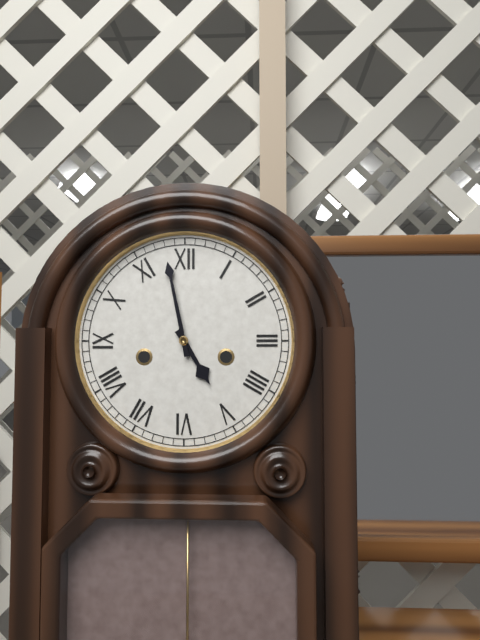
4h58
